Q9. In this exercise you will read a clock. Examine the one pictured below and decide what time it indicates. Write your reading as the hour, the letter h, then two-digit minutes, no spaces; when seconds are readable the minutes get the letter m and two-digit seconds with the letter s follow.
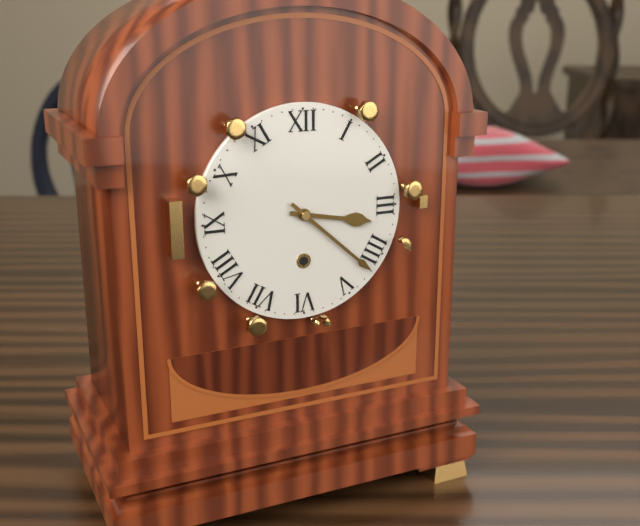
3h22
